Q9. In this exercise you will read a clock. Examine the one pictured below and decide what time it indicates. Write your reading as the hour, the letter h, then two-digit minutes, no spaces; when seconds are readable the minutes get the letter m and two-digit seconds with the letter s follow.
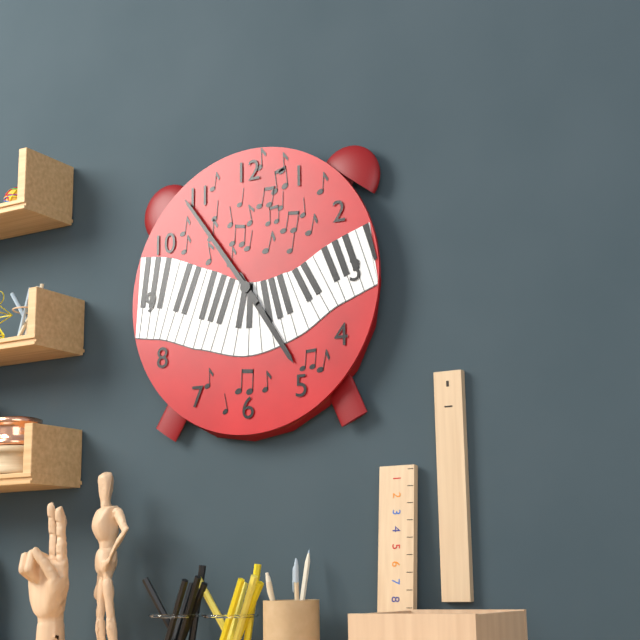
4h54
